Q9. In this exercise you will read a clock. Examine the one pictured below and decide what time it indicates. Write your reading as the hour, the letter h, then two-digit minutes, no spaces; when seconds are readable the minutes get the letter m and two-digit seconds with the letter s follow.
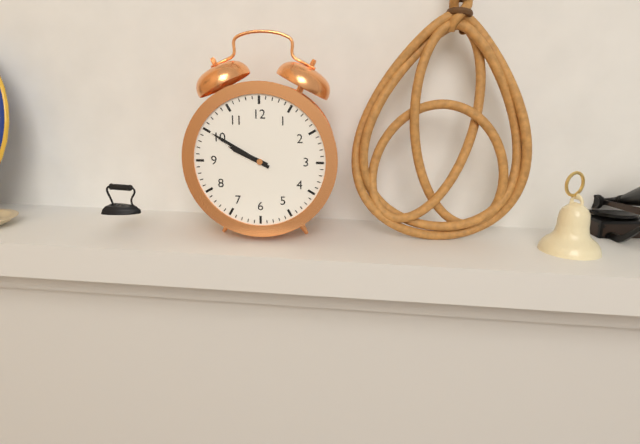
9h50
